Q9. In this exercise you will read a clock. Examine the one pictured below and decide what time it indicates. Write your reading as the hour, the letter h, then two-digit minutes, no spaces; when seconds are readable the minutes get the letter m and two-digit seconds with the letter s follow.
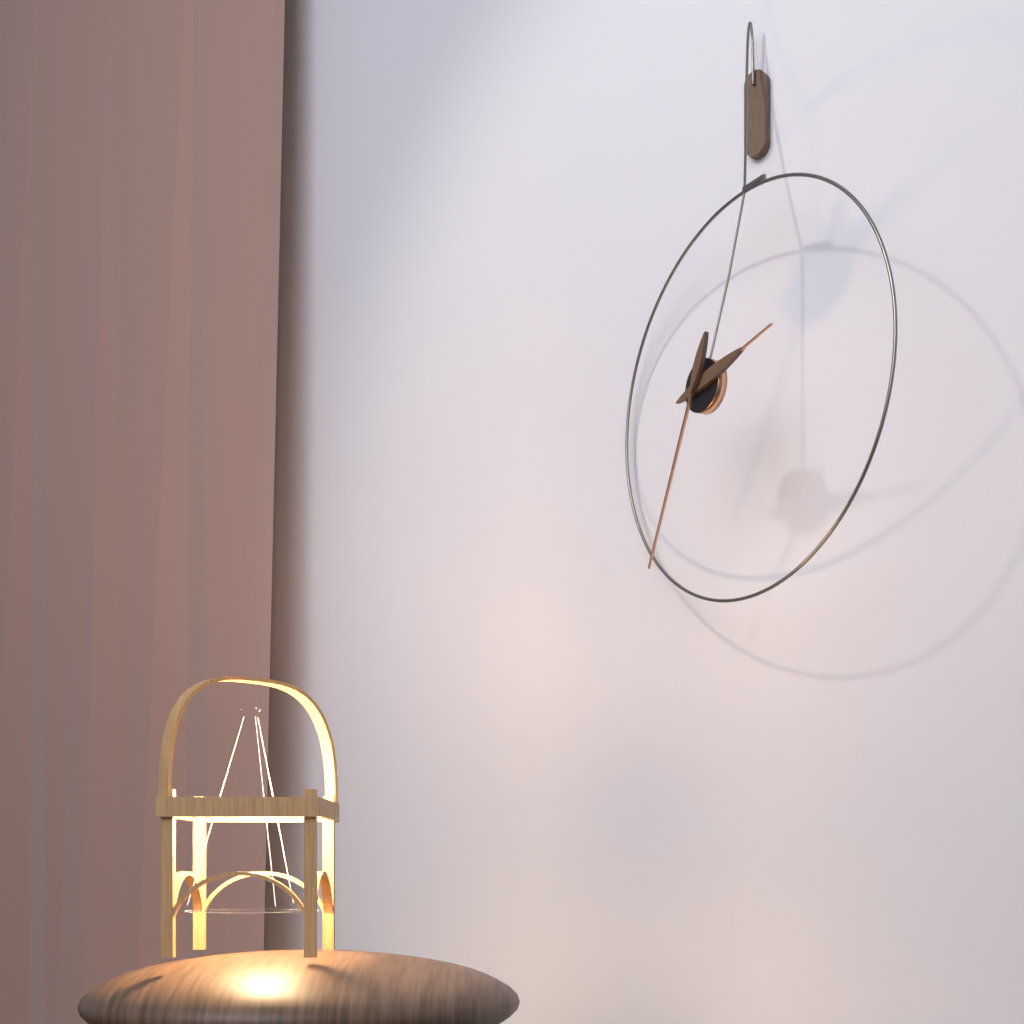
2h34
